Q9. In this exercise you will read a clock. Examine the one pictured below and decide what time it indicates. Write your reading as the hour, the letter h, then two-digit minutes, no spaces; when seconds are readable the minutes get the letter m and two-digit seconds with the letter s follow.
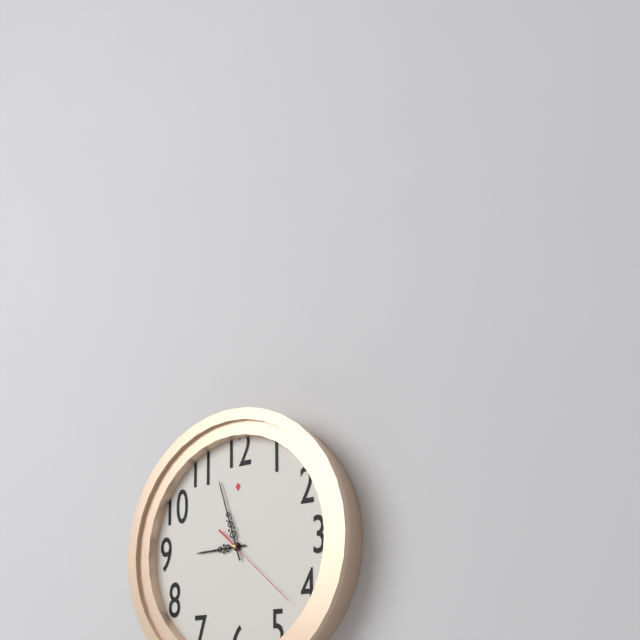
8h57m22s
